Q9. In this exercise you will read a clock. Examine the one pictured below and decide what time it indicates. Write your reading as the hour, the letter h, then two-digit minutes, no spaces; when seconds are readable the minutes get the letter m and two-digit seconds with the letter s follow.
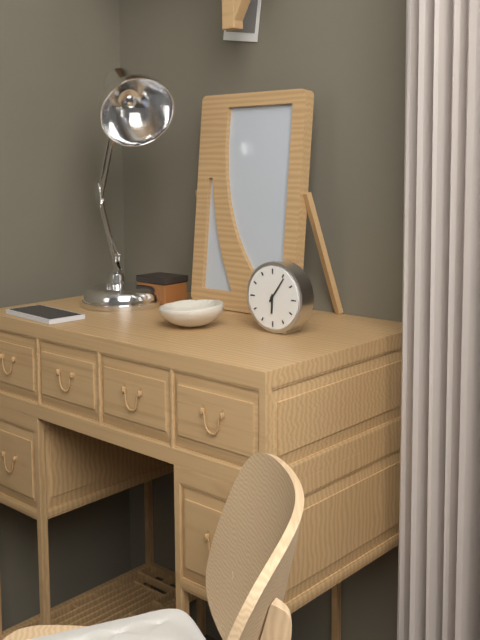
6h06
